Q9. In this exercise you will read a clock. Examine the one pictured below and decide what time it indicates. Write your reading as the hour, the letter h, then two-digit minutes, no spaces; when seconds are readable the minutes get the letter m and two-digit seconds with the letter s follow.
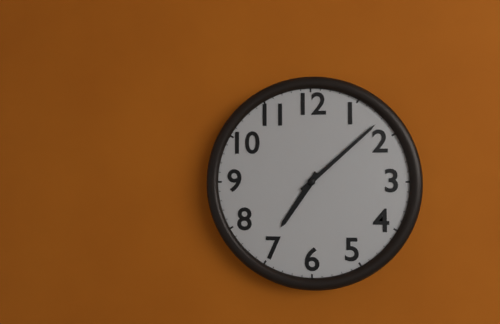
7h08
